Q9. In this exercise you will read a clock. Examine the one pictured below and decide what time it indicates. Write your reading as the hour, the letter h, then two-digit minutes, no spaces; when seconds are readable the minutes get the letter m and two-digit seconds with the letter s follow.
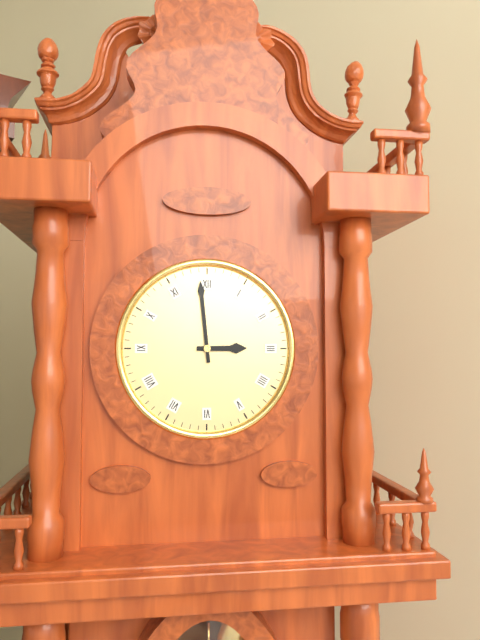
2h59
